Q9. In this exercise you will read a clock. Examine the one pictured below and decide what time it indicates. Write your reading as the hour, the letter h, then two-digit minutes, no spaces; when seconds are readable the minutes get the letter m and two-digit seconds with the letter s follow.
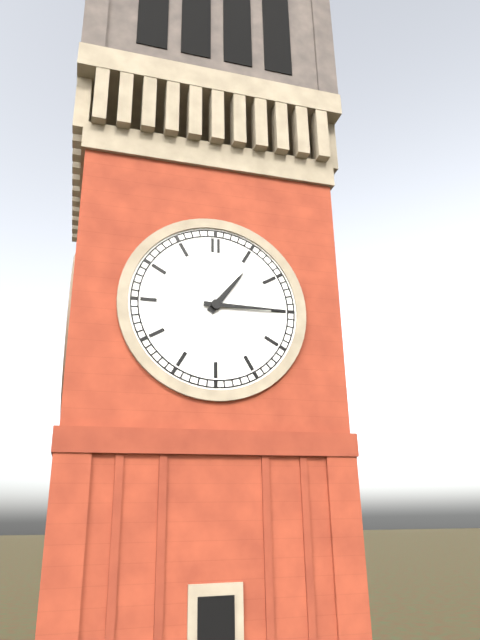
1h15
